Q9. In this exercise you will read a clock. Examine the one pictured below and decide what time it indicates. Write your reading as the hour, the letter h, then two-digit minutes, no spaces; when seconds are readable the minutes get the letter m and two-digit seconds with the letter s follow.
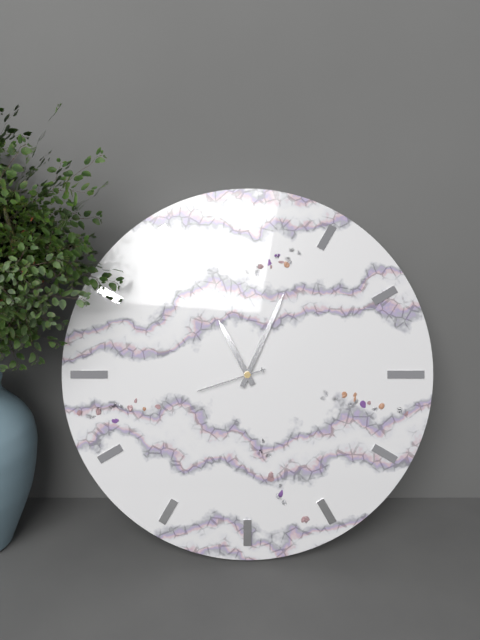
11h04m42s
